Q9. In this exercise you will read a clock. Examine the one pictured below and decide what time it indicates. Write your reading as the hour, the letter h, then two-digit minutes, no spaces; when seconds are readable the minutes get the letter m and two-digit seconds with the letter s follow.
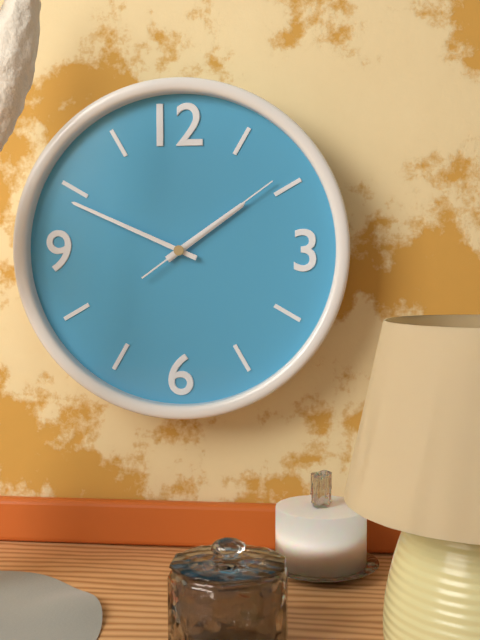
1h49m09s
